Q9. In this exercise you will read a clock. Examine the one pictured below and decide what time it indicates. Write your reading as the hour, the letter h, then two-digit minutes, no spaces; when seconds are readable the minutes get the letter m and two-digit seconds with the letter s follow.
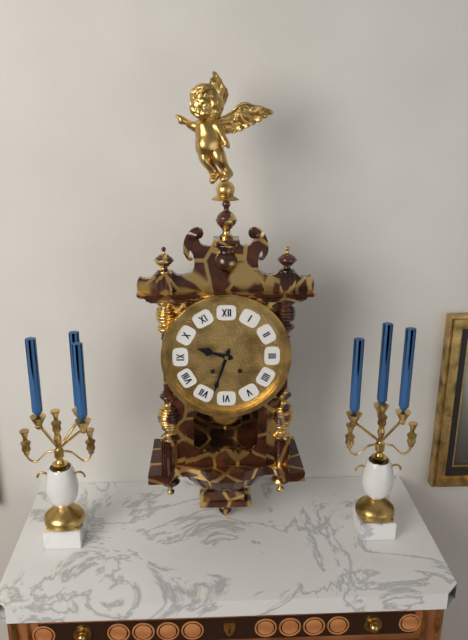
9h33
